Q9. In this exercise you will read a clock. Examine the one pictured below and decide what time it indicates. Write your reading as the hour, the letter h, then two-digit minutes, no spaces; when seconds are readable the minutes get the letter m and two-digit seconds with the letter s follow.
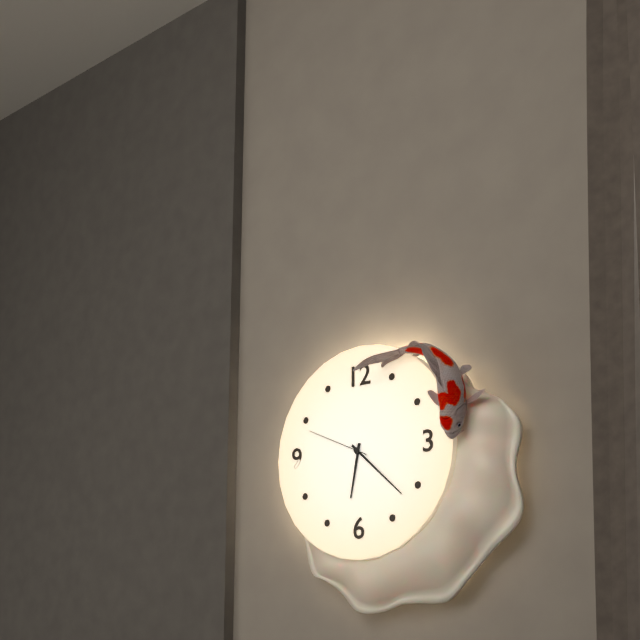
6h22m49s
